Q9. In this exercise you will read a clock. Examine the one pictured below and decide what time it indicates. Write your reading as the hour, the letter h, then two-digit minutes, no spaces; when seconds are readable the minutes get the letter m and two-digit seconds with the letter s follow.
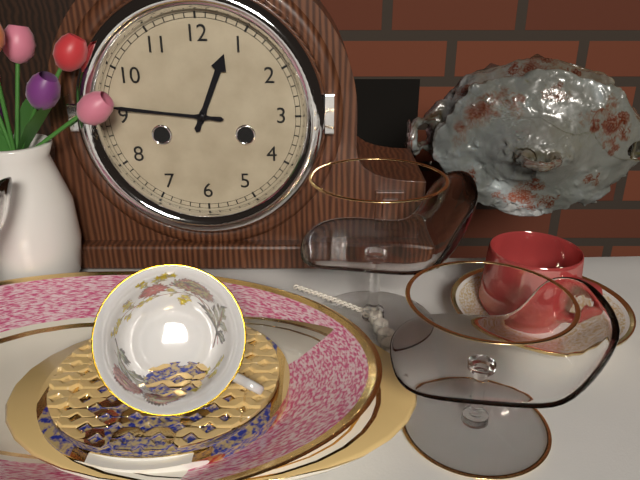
12h46
